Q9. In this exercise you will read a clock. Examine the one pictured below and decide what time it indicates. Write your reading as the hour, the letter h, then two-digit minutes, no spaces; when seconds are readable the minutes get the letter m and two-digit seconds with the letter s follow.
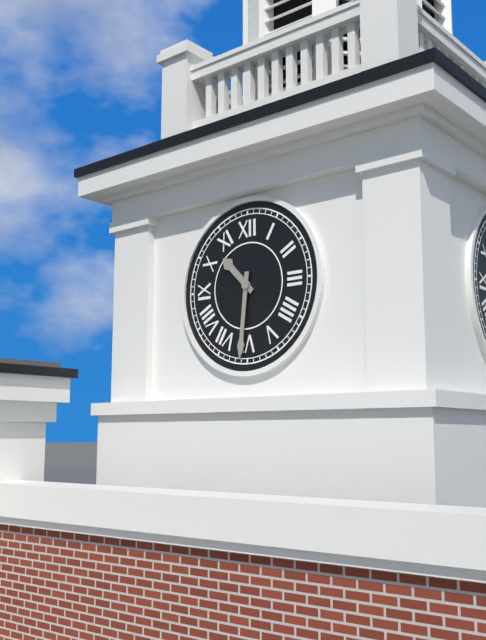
10h31
